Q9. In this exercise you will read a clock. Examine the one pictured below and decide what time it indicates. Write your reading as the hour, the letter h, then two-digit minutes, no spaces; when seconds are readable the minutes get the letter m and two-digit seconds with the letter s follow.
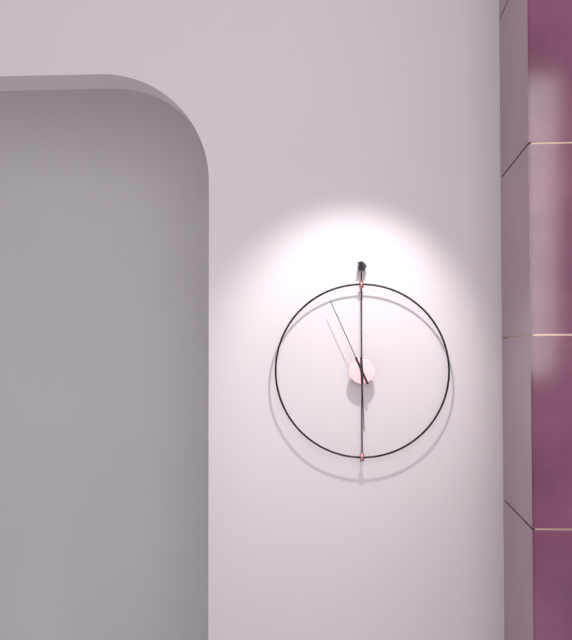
5h56
